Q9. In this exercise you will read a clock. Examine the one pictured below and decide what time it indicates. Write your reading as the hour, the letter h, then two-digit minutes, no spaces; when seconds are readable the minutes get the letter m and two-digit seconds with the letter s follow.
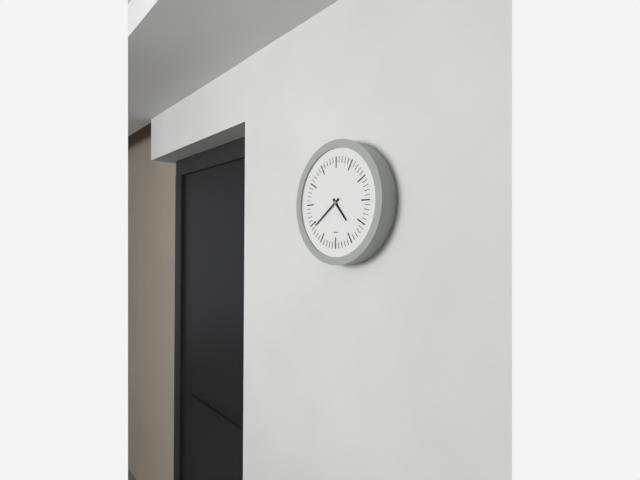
4h39
